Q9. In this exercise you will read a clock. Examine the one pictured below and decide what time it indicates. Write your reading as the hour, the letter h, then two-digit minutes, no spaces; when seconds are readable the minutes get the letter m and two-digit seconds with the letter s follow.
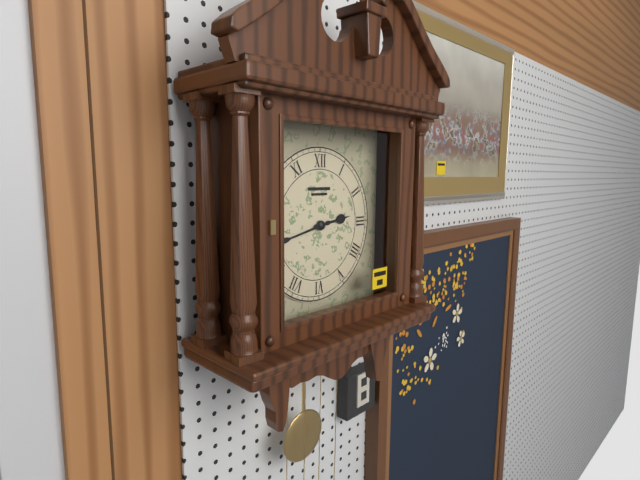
2h43
